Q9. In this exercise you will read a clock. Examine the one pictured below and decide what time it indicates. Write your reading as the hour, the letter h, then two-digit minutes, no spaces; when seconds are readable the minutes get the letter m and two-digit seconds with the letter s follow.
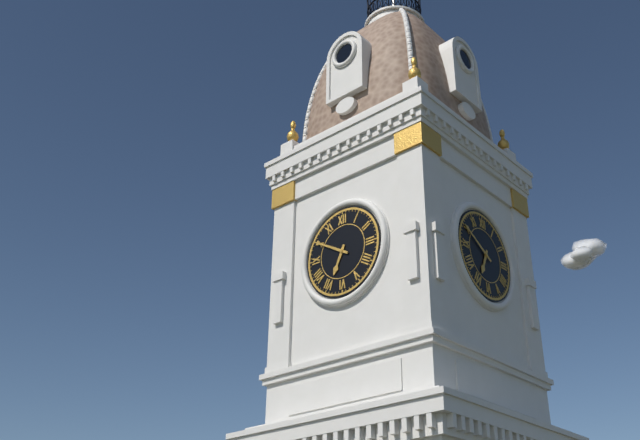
6h50
